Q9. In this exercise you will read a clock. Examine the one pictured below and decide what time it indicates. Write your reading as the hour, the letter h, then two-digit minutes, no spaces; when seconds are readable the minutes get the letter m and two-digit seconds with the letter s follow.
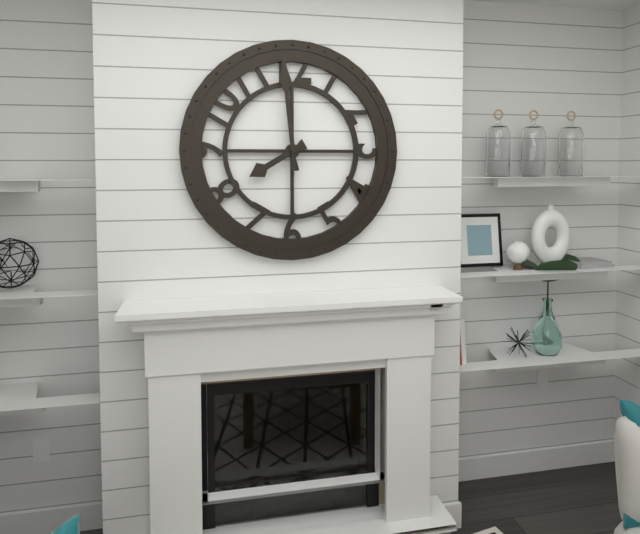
7h59
